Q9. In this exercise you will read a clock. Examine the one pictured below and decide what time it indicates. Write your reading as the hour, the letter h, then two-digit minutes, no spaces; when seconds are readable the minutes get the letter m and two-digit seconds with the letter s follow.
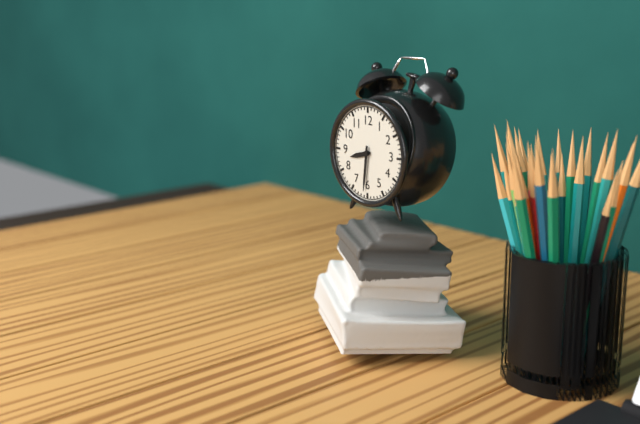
8h31
